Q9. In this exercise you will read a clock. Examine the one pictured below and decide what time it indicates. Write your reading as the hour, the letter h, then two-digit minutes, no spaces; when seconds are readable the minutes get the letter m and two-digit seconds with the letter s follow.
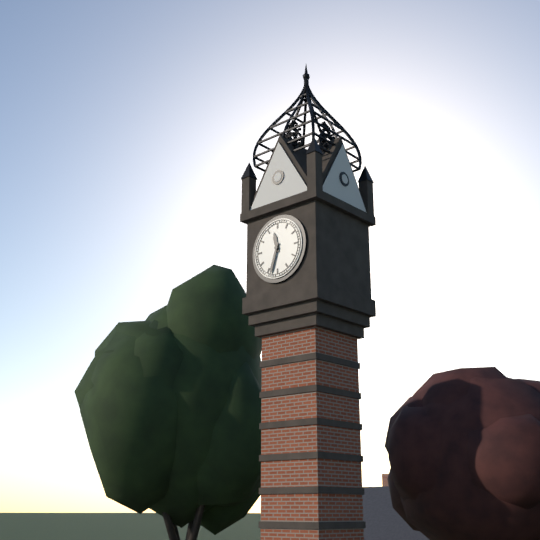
11h33
